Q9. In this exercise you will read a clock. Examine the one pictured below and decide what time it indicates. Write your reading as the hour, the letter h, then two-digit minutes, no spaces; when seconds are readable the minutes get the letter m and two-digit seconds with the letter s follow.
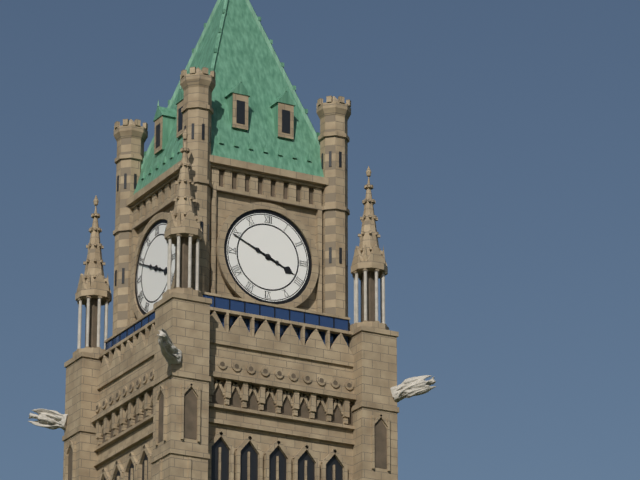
3h49
